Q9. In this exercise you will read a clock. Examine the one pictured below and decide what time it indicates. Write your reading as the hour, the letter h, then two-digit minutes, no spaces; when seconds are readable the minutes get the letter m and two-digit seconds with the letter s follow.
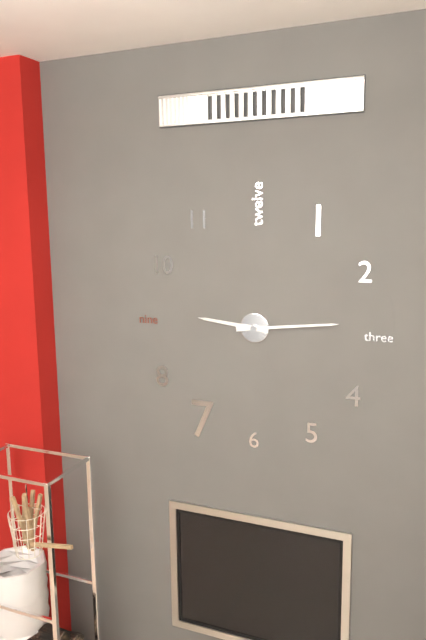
9h14
